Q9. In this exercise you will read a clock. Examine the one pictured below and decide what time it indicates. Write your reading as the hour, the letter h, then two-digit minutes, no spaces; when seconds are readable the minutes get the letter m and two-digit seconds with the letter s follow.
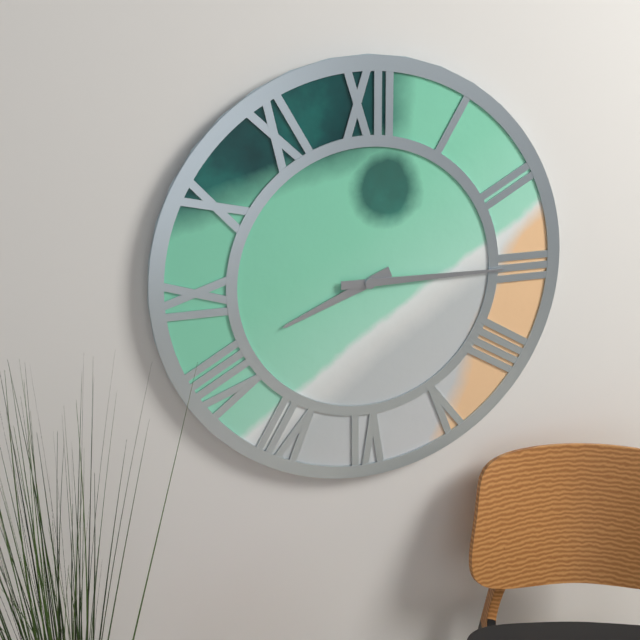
8h15
